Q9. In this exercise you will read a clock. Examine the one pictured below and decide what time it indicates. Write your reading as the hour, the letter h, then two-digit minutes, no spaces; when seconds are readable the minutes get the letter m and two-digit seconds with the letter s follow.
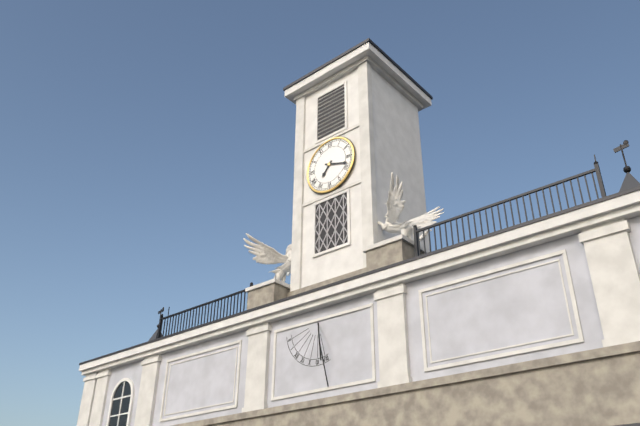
7h18
